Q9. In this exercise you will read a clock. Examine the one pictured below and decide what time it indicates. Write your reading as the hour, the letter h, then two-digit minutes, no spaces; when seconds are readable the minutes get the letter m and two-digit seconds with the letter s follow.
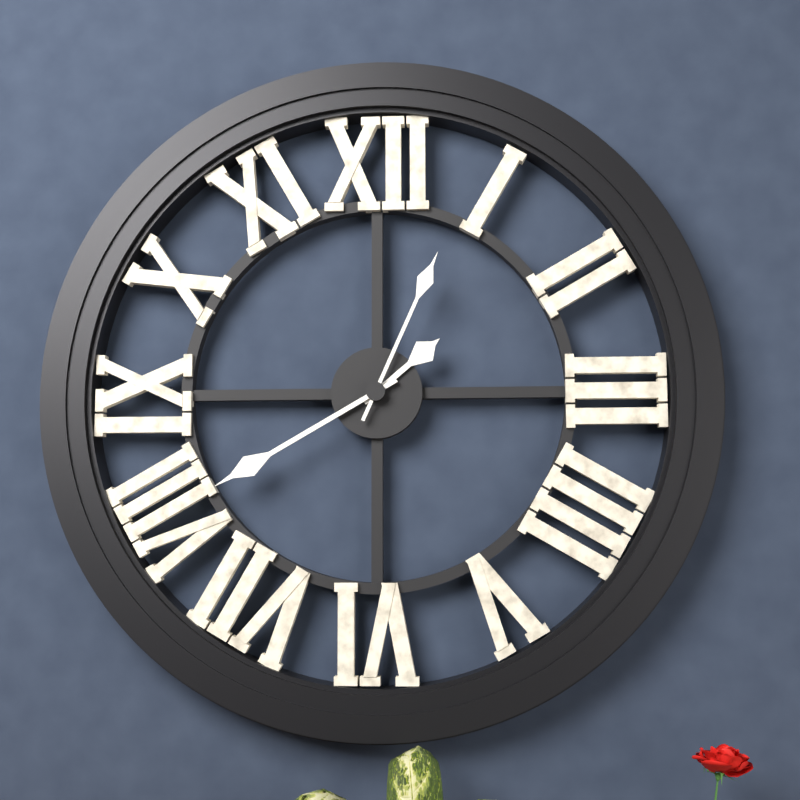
1h40m04s
